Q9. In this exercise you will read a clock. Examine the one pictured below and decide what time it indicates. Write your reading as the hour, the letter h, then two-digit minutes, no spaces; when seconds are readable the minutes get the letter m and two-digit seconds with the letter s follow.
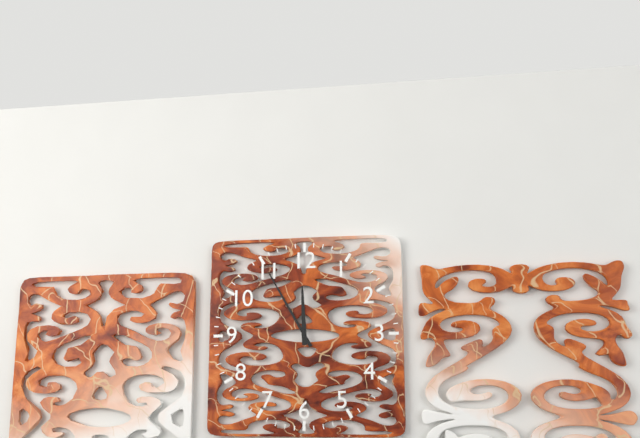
11h55
